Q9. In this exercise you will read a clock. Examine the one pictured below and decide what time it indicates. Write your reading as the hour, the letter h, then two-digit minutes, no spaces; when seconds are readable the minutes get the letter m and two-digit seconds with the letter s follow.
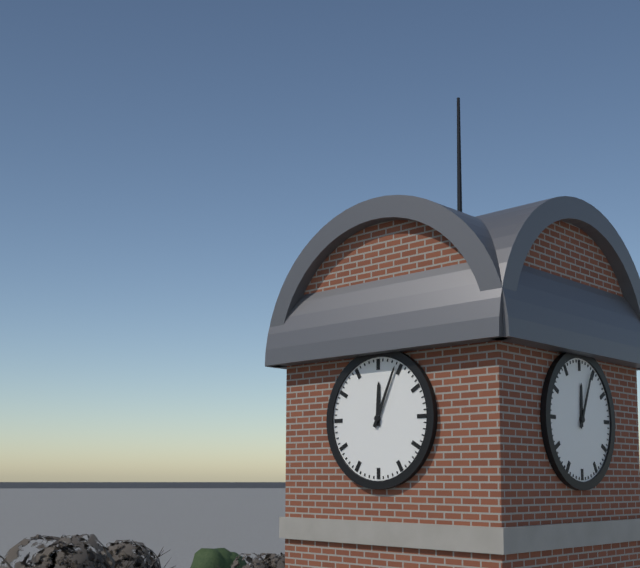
12h04
